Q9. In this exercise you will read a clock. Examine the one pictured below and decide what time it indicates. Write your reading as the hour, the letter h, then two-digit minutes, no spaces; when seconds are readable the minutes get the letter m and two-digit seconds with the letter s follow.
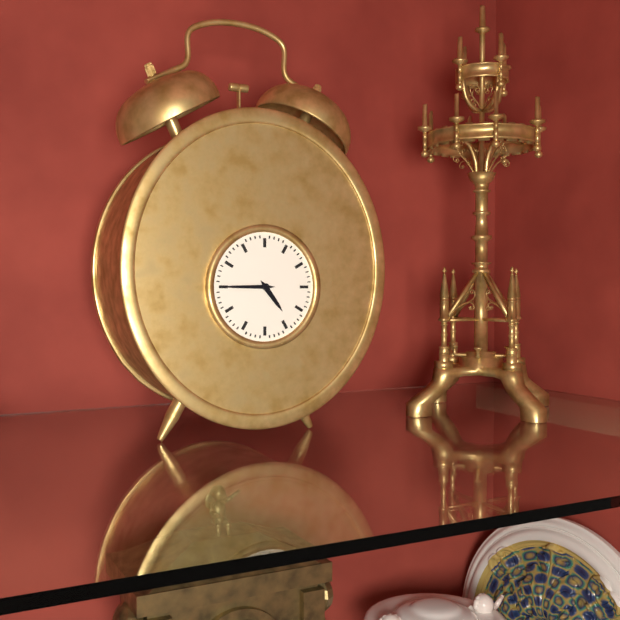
4h45
